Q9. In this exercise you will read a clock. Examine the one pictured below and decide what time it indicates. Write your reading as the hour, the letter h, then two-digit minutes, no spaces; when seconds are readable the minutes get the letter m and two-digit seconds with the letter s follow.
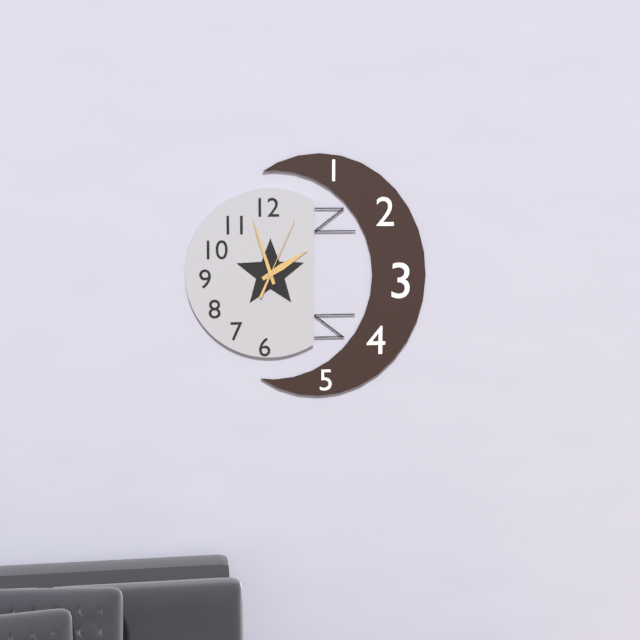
1h57m04s
